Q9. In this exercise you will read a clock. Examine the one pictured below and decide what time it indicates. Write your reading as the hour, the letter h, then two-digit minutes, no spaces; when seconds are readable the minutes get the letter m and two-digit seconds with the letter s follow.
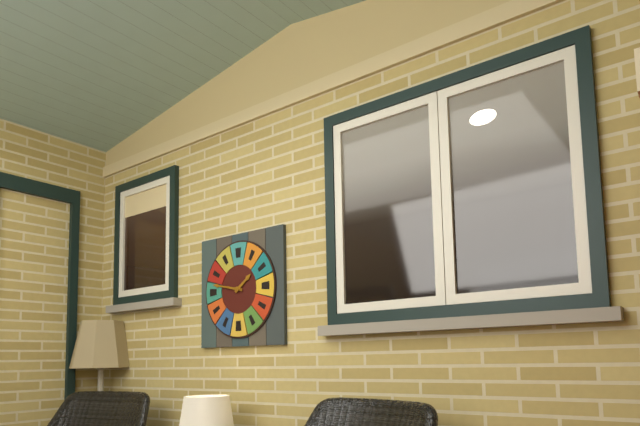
1h47
